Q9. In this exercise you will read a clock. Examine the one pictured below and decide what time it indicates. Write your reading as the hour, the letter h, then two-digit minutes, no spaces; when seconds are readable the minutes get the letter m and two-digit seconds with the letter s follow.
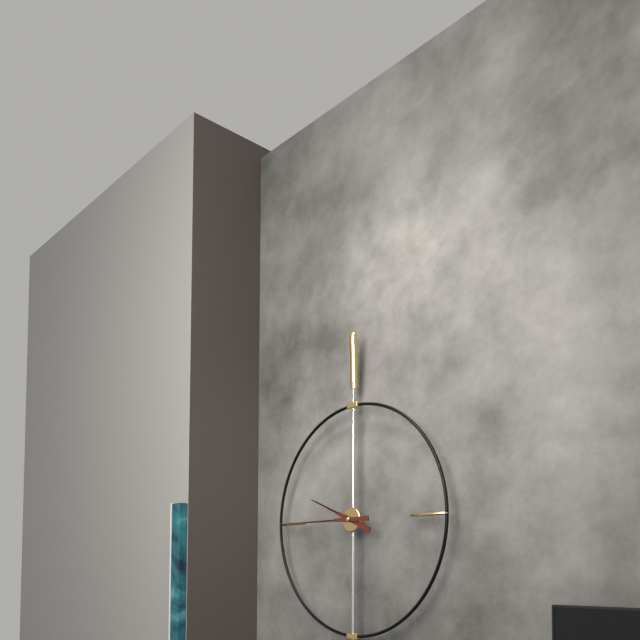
9h45
